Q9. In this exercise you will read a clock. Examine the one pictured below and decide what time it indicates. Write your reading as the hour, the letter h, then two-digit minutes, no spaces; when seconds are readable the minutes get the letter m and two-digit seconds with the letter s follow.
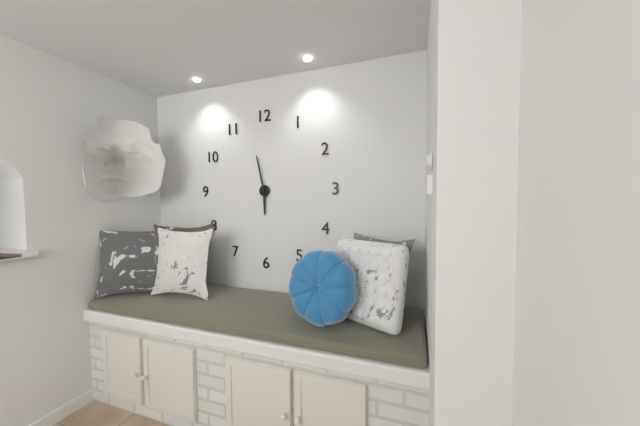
5h58
